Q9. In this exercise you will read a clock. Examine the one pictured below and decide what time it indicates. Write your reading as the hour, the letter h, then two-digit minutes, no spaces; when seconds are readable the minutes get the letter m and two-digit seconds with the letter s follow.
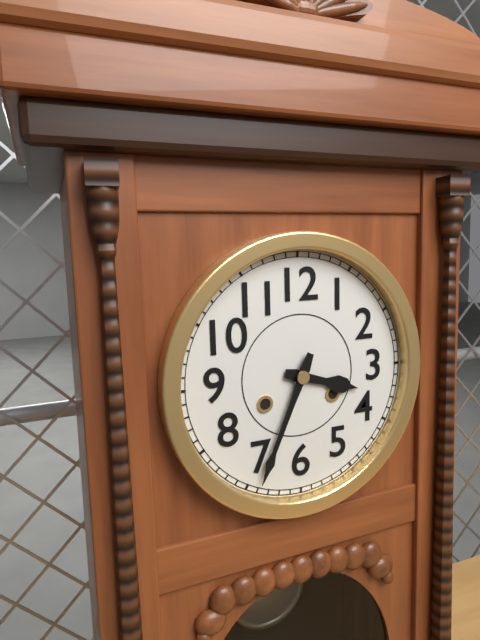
3h34
